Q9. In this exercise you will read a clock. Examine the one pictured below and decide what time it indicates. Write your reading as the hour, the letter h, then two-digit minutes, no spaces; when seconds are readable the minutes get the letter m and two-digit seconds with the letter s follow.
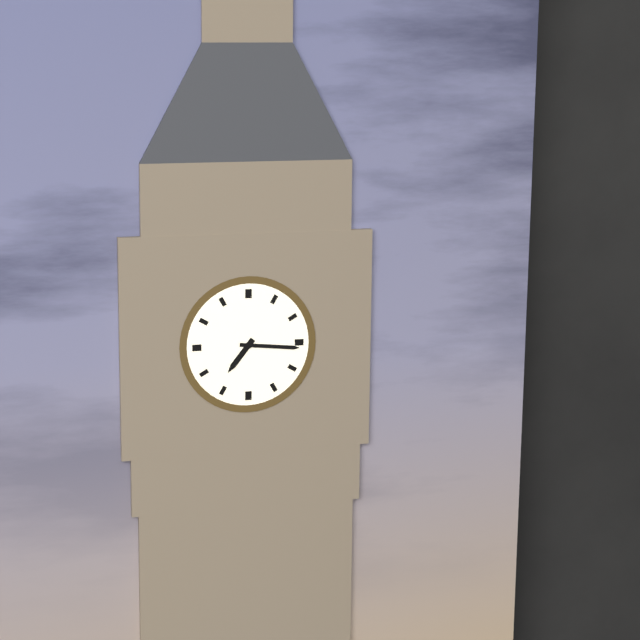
7h16
